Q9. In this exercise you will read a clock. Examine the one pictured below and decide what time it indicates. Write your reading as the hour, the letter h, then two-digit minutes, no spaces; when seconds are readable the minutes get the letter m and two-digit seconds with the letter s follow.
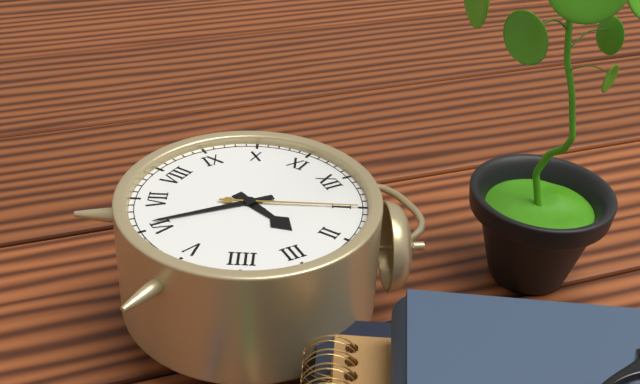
2h31m05s
